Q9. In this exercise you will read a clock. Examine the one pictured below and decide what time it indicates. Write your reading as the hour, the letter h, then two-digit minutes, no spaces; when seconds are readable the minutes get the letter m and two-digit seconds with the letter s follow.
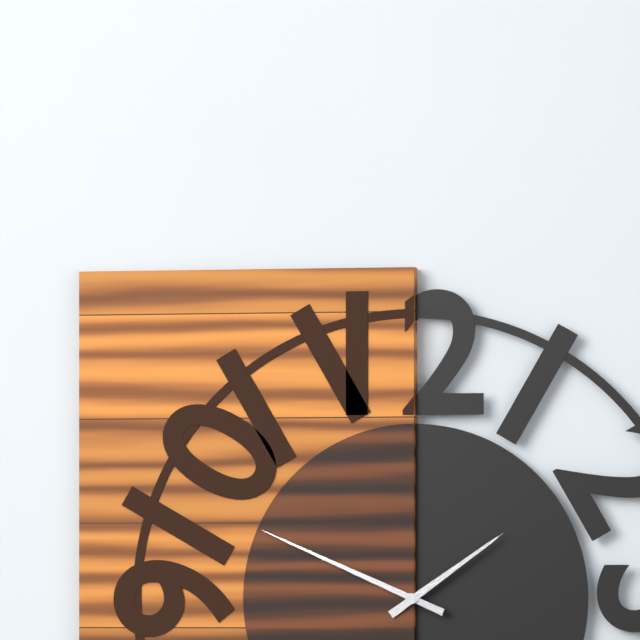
1h49
